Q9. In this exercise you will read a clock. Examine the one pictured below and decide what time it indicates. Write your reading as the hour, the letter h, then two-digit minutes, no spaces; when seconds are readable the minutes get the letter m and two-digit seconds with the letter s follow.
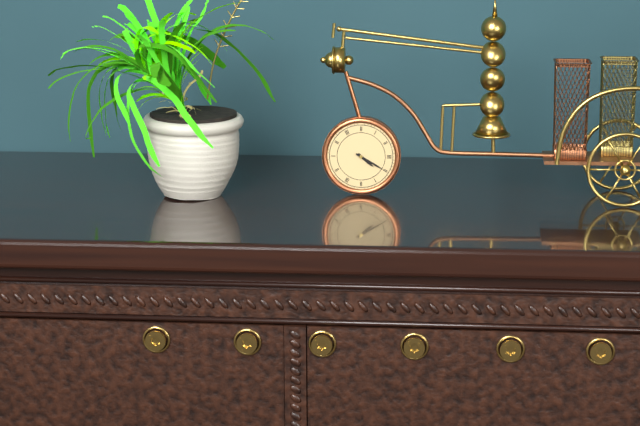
4h20
